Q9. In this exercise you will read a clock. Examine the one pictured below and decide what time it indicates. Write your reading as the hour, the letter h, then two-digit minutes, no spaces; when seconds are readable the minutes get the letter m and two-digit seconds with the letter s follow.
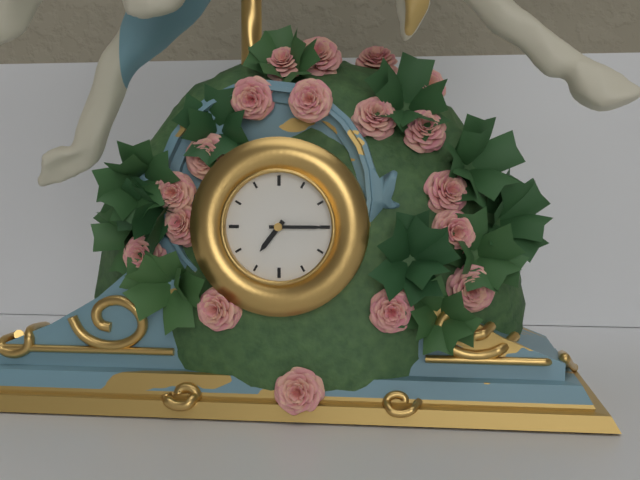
7h15
